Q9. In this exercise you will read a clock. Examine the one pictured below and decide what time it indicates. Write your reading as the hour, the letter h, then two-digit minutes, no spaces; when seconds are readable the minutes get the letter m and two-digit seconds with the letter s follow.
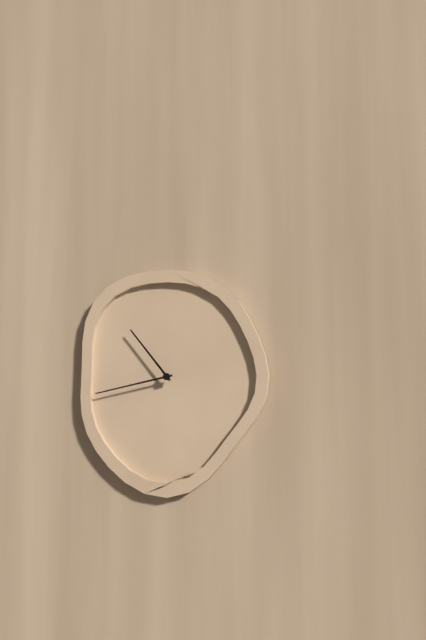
10h43
